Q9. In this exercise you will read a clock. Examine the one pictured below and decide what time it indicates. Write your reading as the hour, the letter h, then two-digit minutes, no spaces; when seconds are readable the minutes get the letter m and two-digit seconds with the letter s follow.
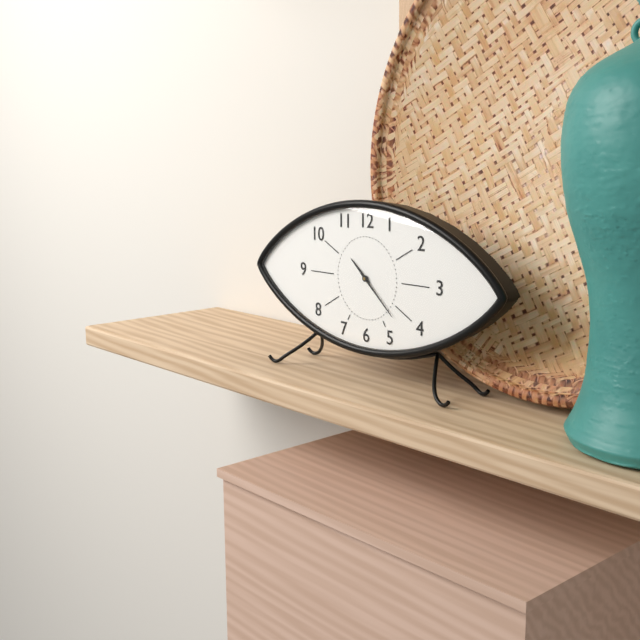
10h22
